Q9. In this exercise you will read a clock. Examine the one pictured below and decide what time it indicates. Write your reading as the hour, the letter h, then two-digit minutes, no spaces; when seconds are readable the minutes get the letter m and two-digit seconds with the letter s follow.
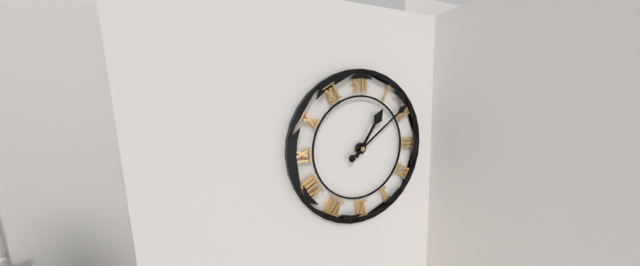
1h09
